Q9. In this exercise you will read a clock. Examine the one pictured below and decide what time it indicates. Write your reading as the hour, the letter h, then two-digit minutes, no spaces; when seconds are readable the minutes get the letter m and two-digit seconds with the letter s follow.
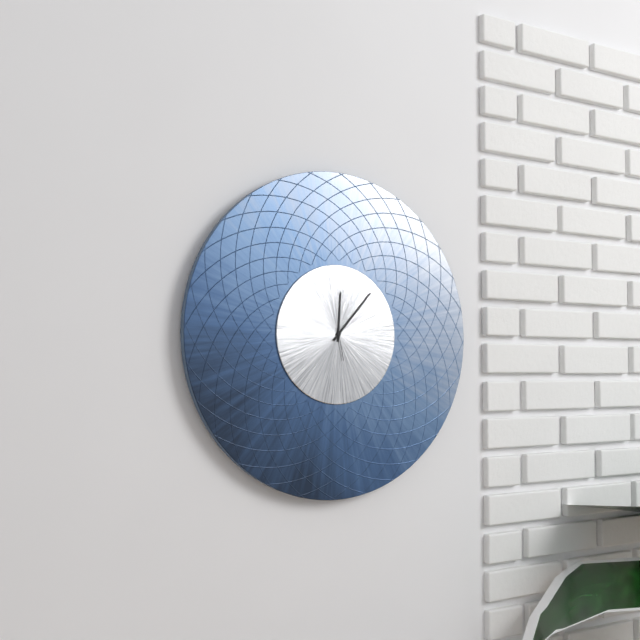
12h07
